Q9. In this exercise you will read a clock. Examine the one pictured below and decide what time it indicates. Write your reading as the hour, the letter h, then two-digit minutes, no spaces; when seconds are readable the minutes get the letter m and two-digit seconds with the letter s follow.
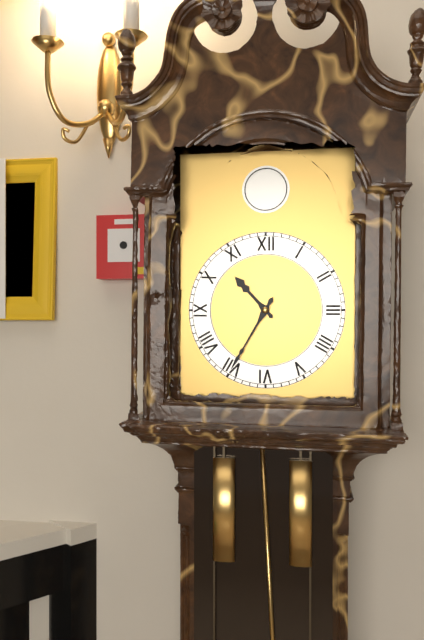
10h35
